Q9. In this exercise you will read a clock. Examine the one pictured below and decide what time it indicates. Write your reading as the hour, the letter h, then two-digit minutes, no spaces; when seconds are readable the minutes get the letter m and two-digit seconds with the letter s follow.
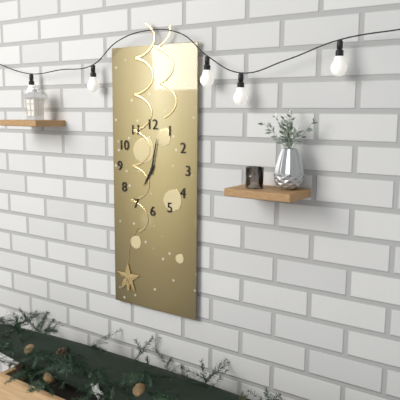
7h02
